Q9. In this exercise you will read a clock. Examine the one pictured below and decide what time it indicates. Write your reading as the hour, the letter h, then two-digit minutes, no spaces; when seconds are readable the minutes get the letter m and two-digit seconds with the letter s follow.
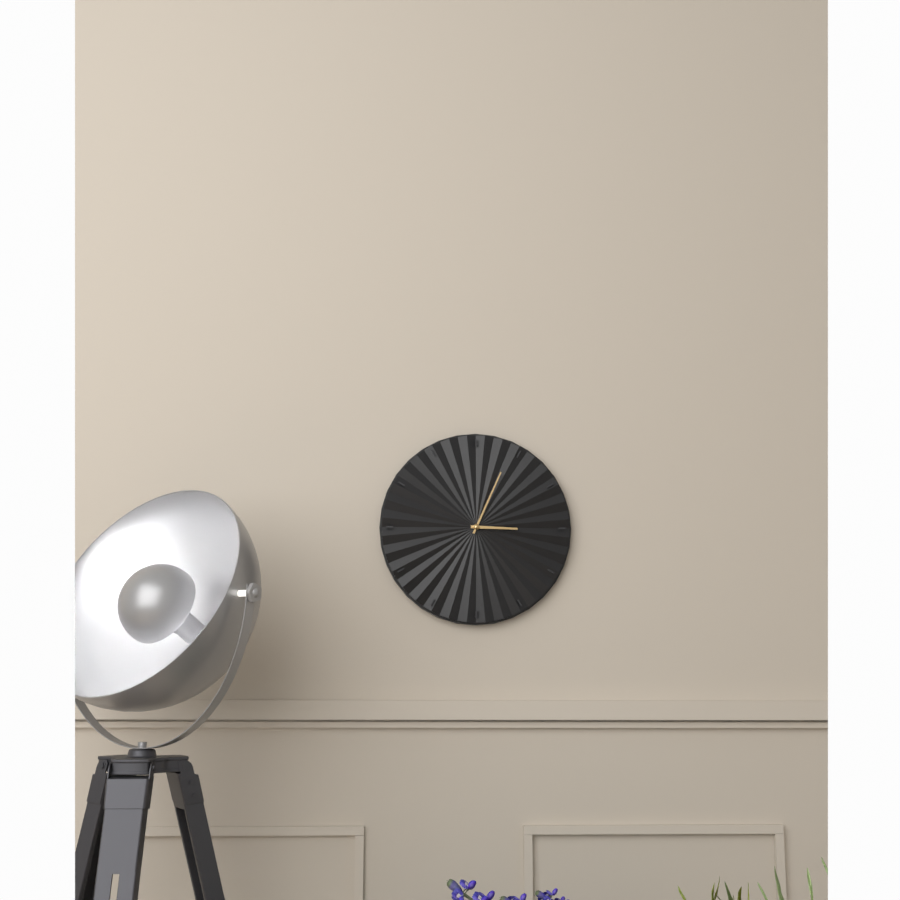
3h04
